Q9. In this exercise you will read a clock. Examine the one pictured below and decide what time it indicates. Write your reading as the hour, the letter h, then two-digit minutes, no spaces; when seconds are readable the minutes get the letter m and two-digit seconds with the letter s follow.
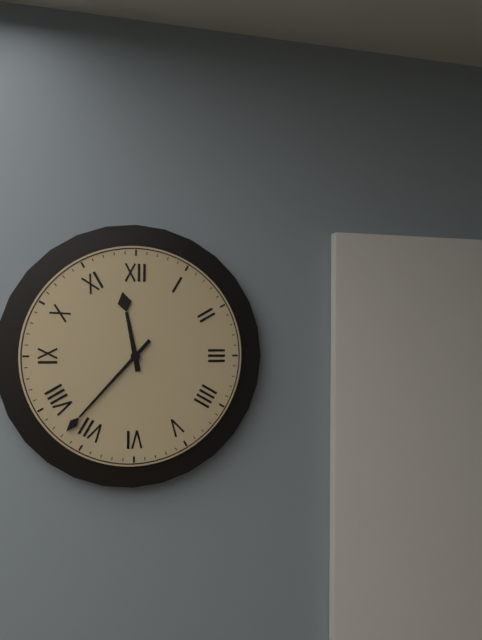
11h37
